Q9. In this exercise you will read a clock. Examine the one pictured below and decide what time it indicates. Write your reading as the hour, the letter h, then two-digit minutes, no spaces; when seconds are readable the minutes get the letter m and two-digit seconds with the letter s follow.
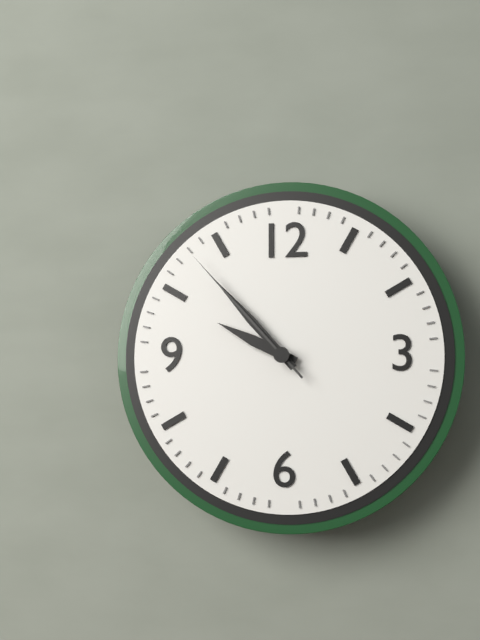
9h53m53s
